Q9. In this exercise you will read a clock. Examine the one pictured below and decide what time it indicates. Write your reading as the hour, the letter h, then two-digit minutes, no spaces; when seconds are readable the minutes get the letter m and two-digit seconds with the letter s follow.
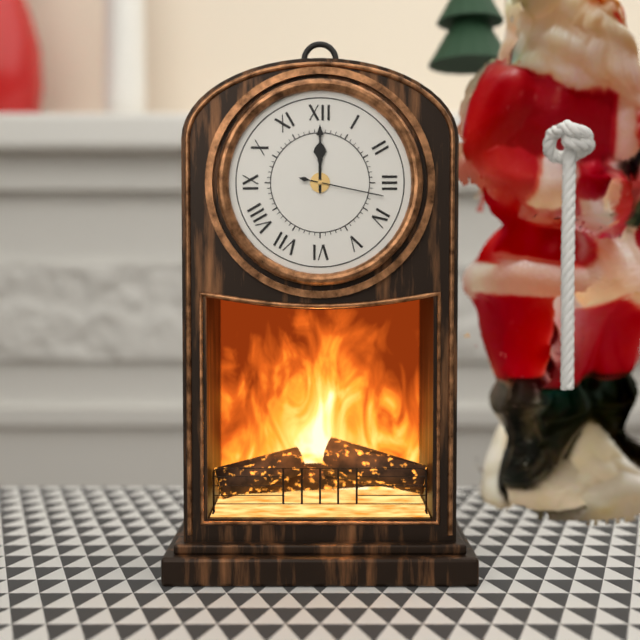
12h00m17s
